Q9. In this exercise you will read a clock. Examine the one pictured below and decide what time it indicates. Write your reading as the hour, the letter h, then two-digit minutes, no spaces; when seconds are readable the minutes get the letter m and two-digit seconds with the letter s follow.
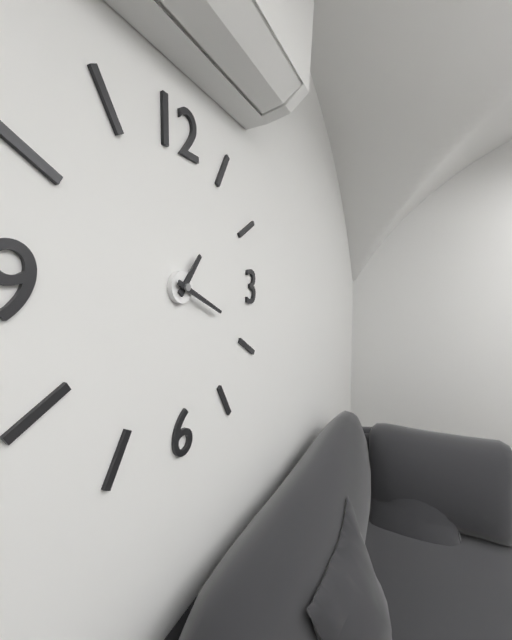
1h19
